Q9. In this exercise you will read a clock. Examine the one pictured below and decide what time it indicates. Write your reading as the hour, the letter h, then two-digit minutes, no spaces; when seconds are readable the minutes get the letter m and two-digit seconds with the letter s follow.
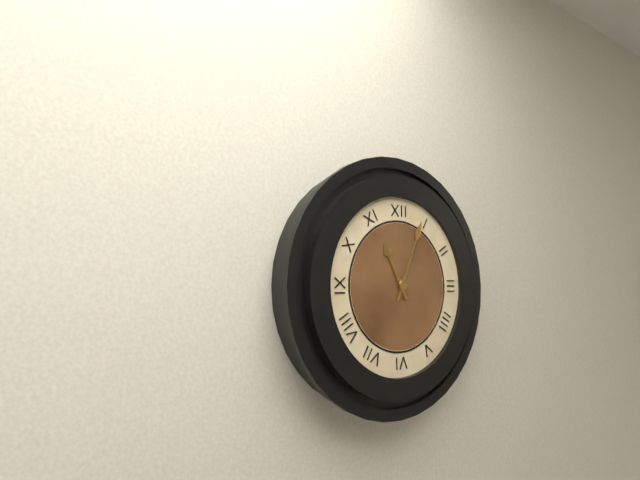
11h04
